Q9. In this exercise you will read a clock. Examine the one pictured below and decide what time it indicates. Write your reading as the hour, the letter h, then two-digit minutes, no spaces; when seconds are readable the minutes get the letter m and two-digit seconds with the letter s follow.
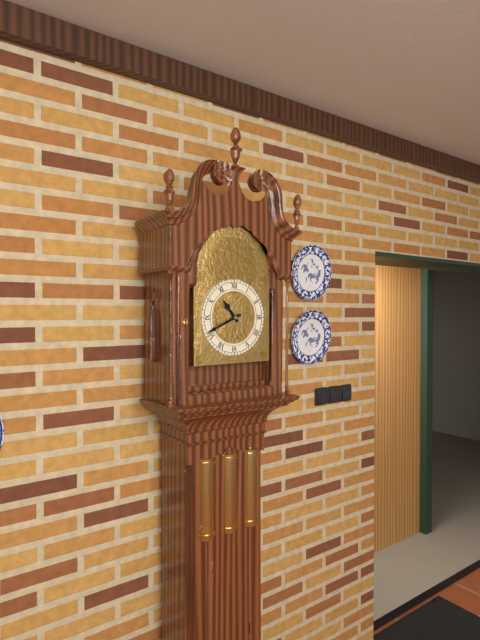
10h41
